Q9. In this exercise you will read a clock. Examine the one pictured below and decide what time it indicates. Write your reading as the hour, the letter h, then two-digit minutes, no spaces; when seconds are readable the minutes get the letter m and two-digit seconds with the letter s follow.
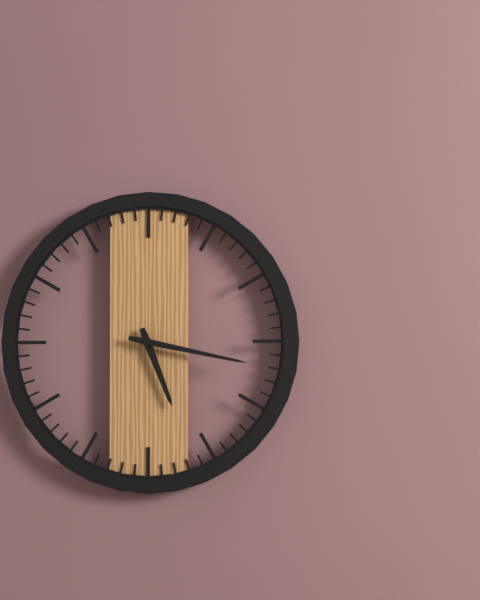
5h17
